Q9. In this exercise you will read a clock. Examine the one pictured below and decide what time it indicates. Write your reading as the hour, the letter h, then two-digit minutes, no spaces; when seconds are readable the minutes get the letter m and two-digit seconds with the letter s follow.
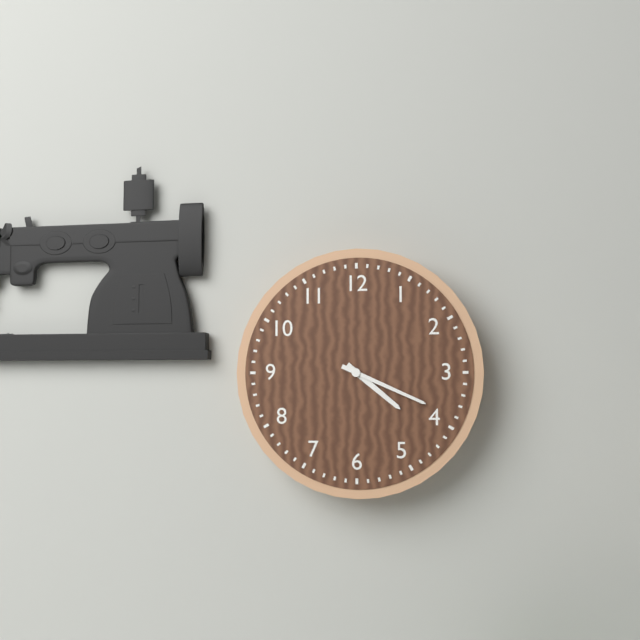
4h19
